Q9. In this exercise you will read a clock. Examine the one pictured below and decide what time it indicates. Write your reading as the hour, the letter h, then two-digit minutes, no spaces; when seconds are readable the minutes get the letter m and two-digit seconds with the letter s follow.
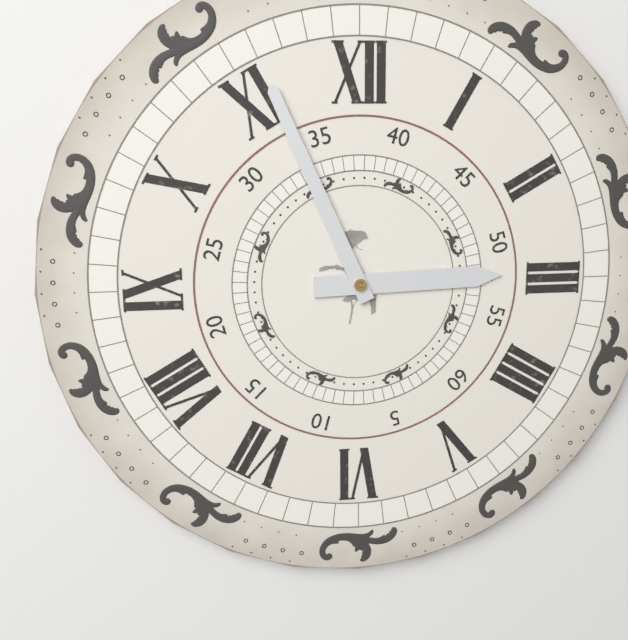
2h56
